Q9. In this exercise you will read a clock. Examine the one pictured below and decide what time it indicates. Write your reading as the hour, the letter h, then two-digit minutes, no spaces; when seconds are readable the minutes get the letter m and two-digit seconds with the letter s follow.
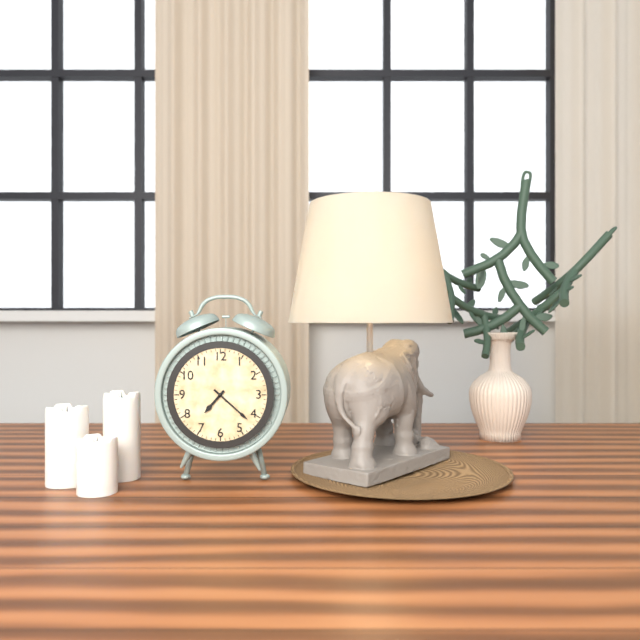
7h22
